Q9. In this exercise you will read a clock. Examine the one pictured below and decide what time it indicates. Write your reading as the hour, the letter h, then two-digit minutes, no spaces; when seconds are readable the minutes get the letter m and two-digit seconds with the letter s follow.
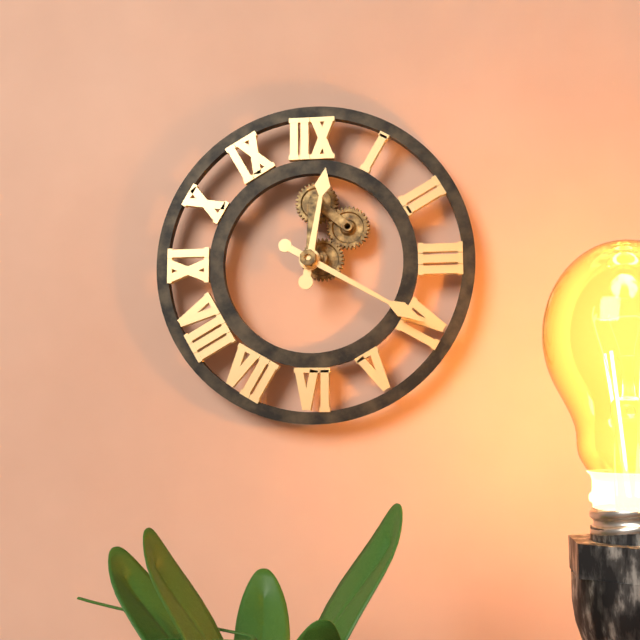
12h20
